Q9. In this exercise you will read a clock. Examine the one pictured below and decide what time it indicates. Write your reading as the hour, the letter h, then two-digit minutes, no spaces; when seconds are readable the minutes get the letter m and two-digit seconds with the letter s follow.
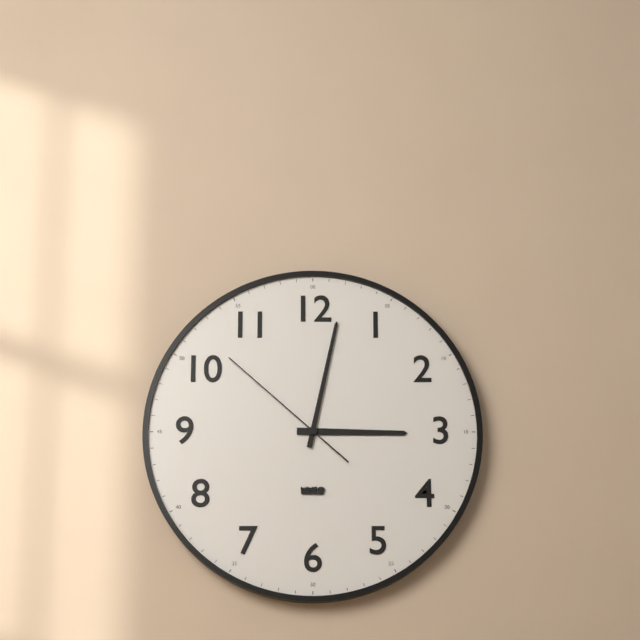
3h02m52s
